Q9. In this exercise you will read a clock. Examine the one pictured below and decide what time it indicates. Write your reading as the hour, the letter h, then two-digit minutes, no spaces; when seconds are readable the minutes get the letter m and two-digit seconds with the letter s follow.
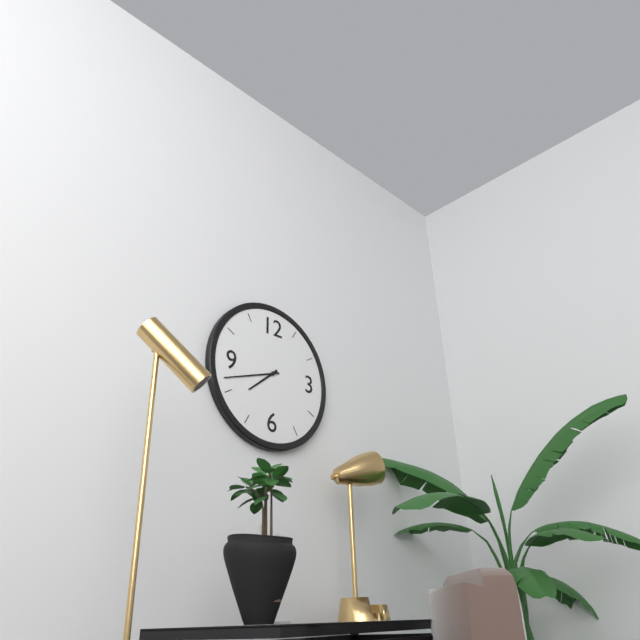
7h42
